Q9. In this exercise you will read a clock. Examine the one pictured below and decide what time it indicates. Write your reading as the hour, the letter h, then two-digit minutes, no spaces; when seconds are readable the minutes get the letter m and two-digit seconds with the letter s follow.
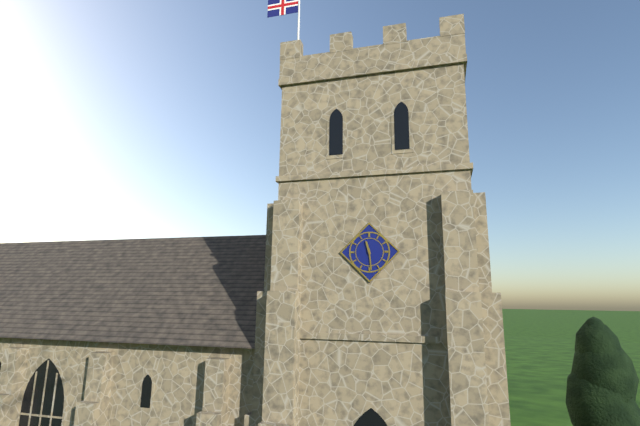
11h29
